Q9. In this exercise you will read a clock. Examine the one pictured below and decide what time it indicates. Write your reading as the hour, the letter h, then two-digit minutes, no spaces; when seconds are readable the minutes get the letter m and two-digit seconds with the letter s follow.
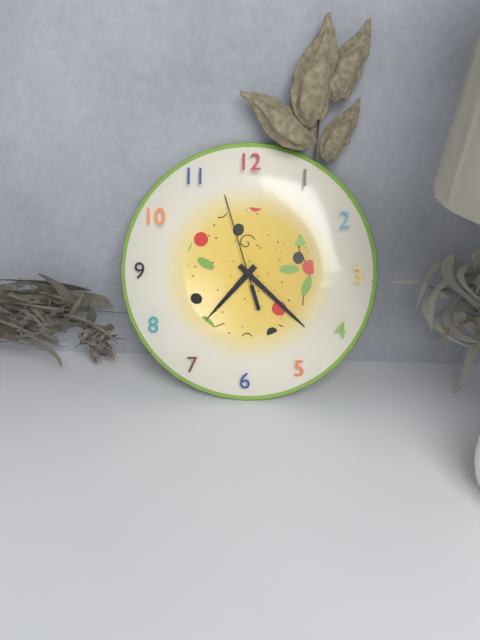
7h22m57s
